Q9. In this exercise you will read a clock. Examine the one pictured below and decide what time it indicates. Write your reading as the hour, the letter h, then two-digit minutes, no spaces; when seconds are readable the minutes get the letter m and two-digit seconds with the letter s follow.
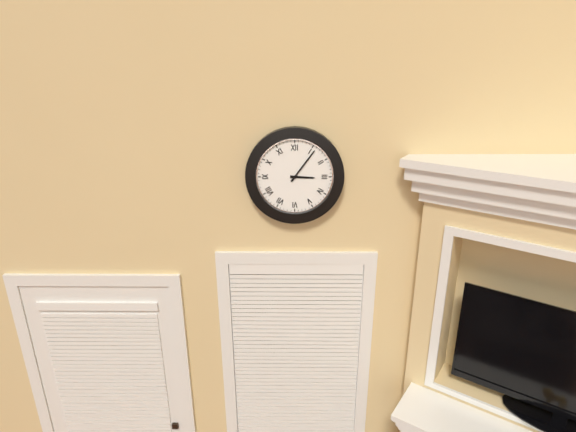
3h06
